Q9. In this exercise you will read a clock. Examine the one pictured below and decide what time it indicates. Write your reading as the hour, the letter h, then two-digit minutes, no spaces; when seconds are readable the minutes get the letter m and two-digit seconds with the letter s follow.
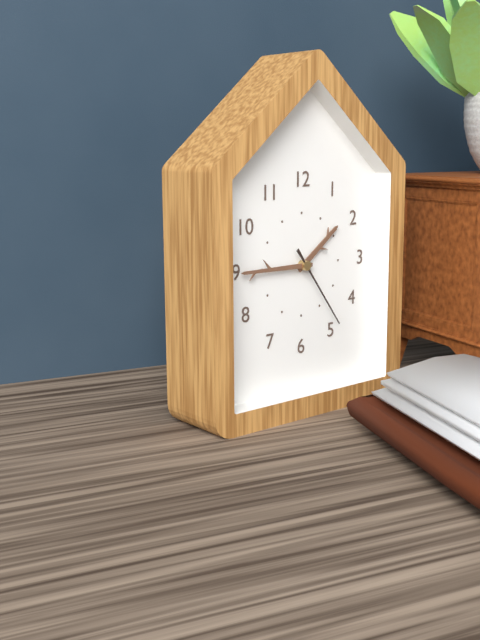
1h45m24s
